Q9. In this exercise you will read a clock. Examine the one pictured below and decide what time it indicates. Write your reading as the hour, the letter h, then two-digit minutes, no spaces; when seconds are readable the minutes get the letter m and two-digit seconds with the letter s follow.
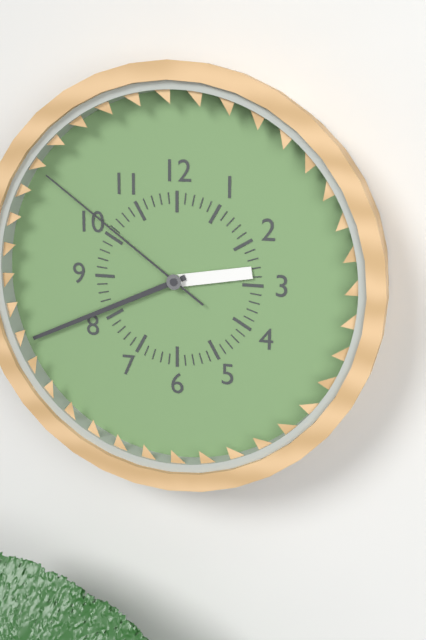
2h41m51s
